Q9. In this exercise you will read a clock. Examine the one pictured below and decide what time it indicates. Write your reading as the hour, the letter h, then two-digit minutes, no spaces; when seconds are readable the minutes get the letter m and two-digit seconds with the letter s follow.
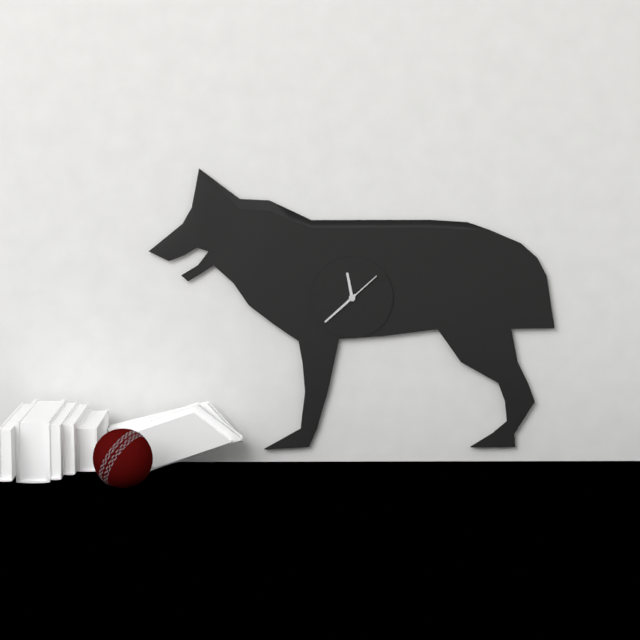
11h38
